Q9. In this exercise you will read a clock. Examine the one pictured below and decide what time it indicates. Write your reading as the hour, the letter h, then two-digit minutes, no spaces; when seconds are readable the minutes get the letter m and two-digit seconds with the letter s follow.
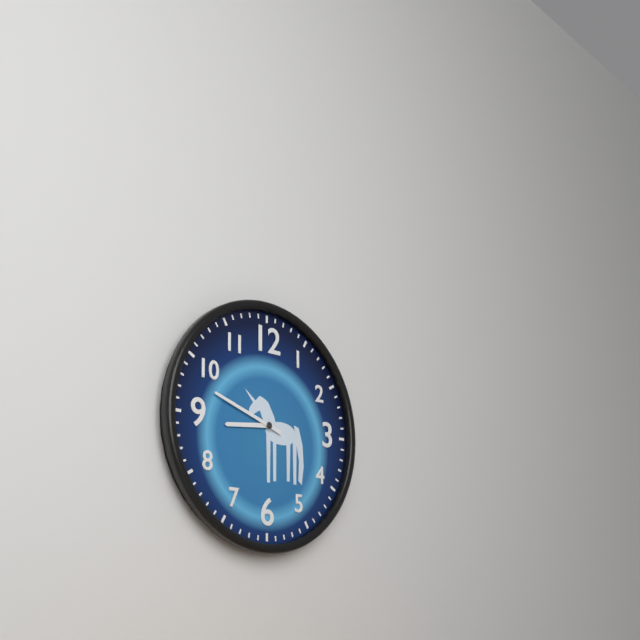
8h48
